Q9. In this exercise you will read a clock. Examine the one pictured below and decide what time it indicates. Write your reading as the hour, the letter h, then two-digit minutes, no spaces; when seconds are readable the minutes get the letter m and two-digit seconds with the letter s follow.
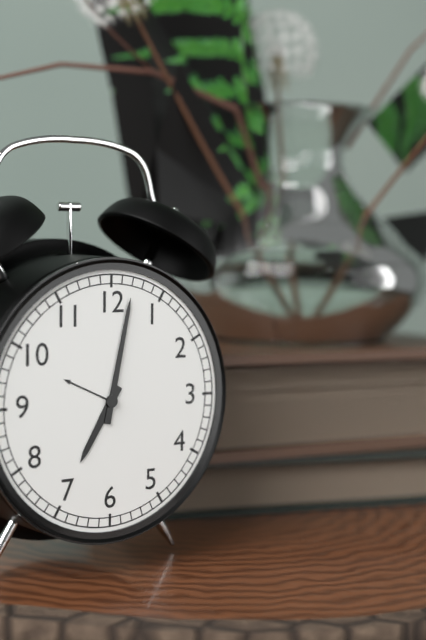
7h02
